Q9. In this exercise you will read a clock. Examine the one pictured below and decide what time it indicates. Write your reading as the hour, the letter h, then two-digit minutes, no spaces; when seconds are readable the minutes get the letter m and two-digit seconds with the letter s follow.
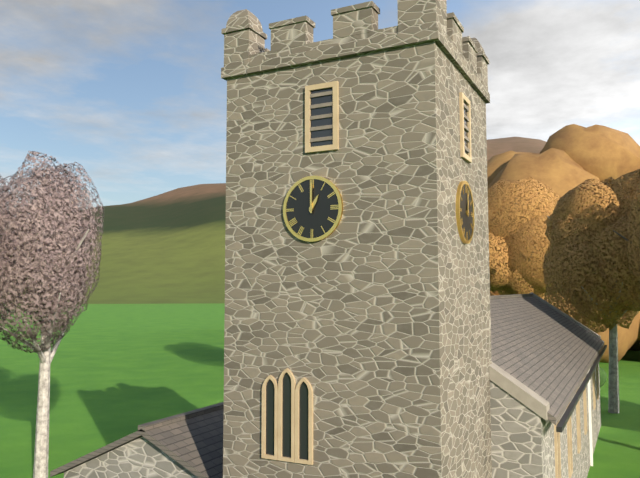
1h00
